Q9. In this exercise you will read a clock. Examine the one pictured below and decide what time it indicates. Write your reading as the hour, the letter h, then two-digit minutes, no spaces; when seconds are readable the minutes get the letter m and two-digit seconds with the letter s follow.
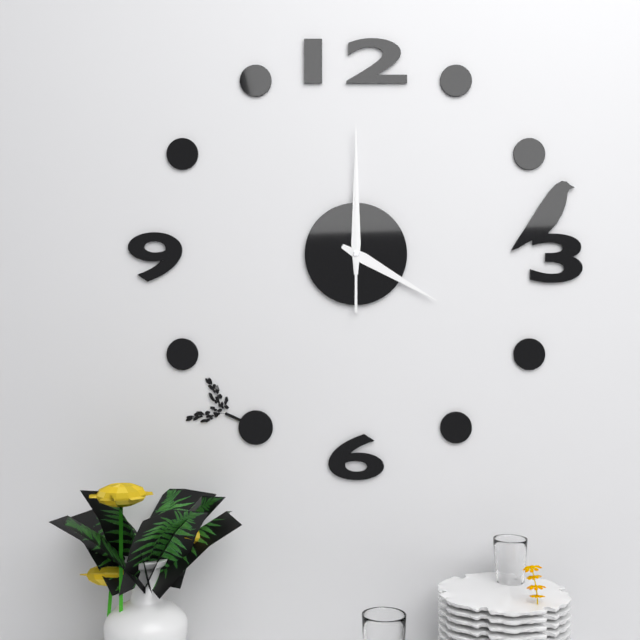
4h00m00s
